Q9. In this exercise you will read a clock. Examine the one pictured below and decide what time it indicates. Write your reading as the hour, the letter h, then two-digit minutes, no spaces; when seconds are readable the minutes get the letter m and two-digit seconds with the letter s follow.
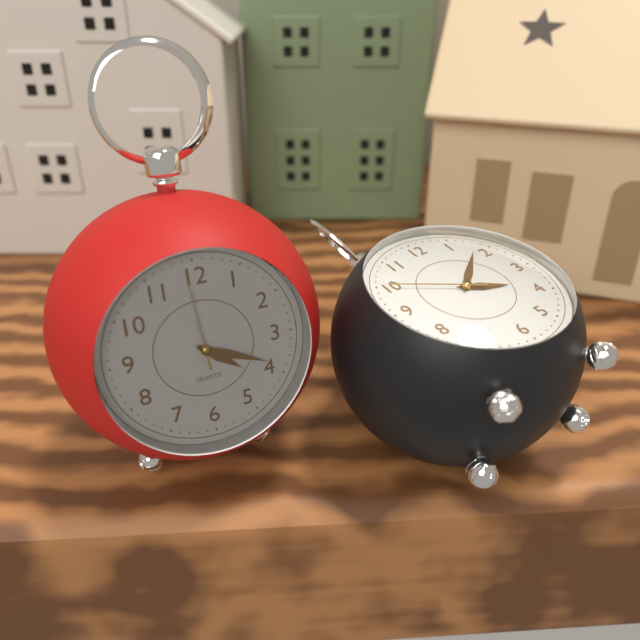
4h19m59s
